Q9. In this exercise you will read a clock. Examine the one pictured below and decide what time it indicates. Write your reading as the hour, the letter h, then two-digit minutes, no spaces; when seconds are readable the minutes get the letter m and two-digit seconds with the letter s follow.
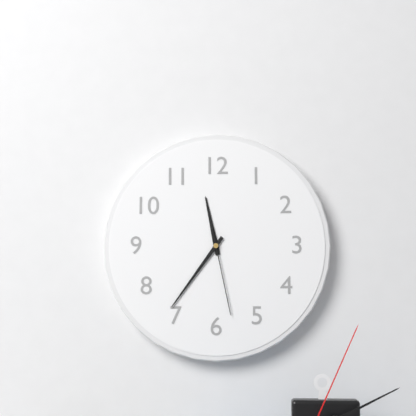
11h36m28s
